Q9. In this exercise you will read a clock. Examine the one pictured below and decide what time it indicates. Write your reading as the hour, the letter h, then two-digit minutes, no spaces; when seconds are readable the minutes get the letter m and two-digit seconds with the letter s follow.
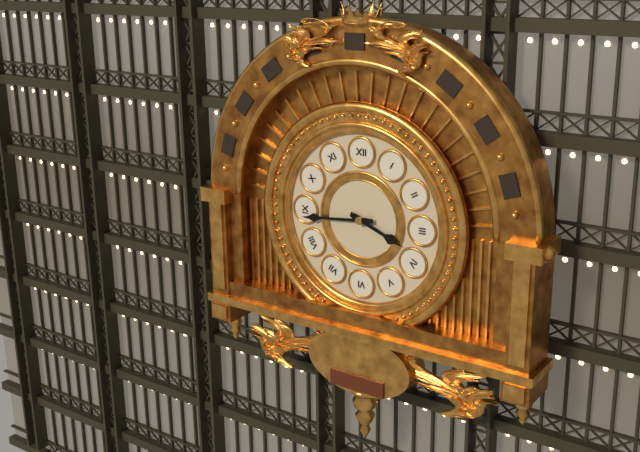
3h44
